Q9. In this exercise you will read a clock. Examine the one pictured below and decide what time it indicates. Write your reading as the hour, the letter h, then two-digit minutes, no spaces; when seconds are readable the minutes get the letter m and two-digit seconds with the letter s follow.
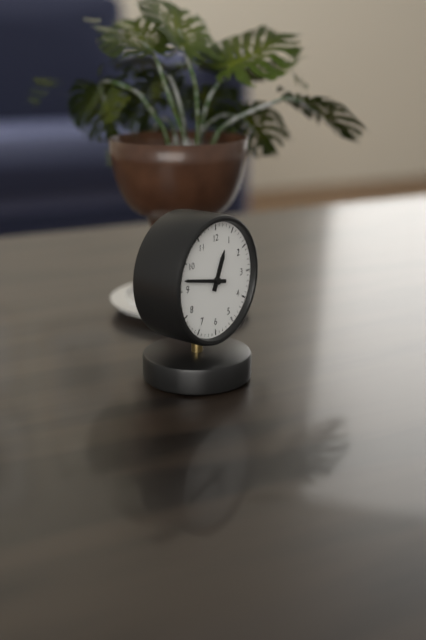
12h47
